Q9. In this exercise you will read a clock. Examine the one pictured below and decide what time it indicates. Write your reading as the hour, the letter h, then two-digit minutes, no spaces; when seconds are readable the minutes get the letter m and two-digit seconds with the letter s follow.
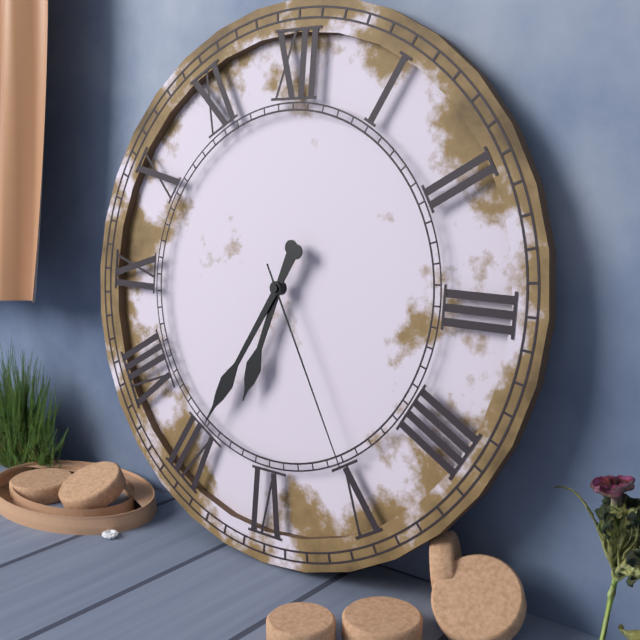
6h35m25s
